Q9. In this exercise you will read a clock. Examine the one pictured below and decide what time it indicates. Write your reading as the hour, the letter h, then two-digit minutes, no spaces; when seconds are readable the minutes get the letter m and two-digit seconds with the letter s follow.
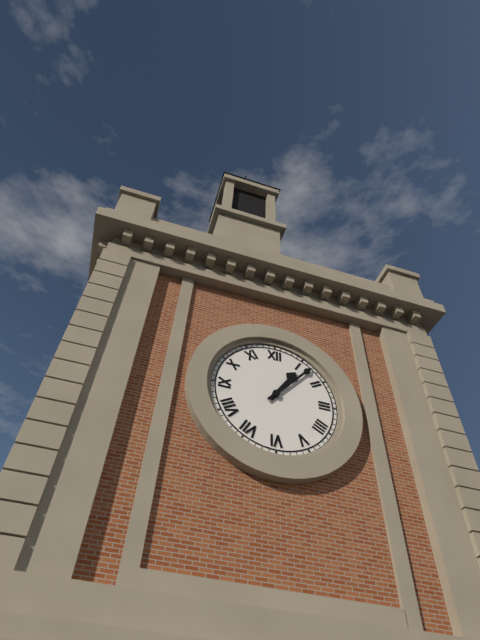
1h07
